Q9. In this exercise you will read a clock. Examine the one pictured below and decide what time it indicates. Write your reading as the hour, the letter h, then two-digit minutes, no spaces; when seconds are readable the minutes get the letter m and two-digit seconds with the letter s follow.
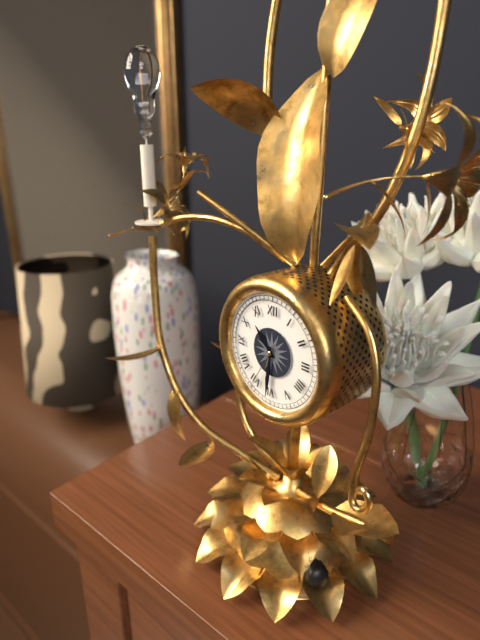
10h31m35s
